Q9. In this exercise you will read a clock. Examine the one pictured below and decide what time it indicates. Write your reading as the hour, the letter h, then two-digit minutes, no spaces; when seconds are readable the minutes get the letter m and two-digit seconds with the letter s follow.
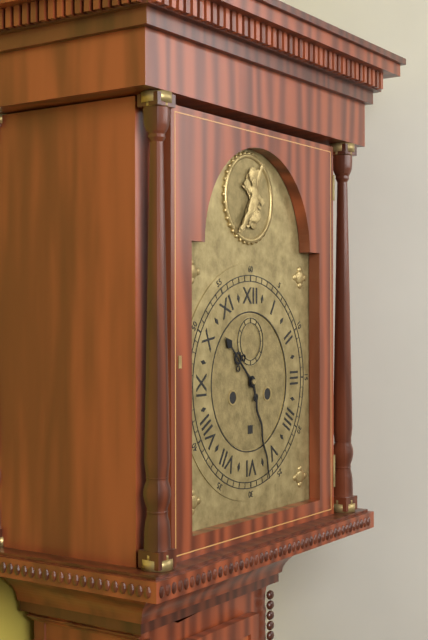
10h27
